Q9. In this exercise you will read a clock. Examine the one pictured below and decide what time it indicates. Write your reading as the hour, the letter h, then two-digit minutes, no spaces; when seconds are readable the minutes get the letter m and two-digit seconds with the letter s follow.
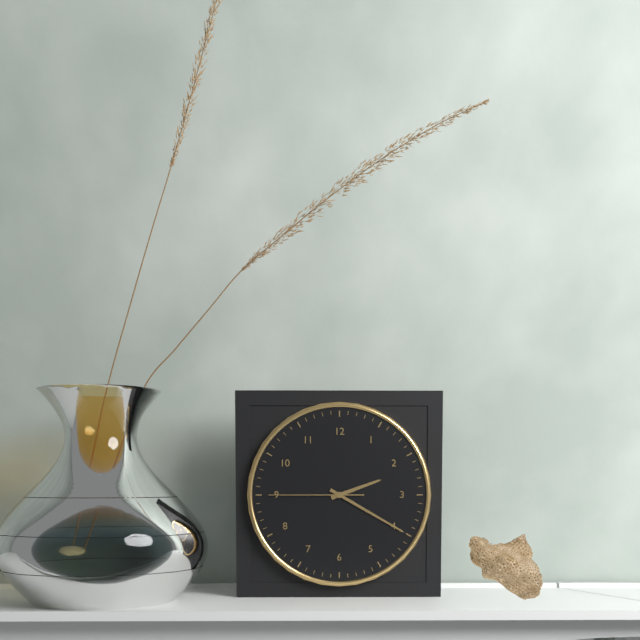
2h20m45s
